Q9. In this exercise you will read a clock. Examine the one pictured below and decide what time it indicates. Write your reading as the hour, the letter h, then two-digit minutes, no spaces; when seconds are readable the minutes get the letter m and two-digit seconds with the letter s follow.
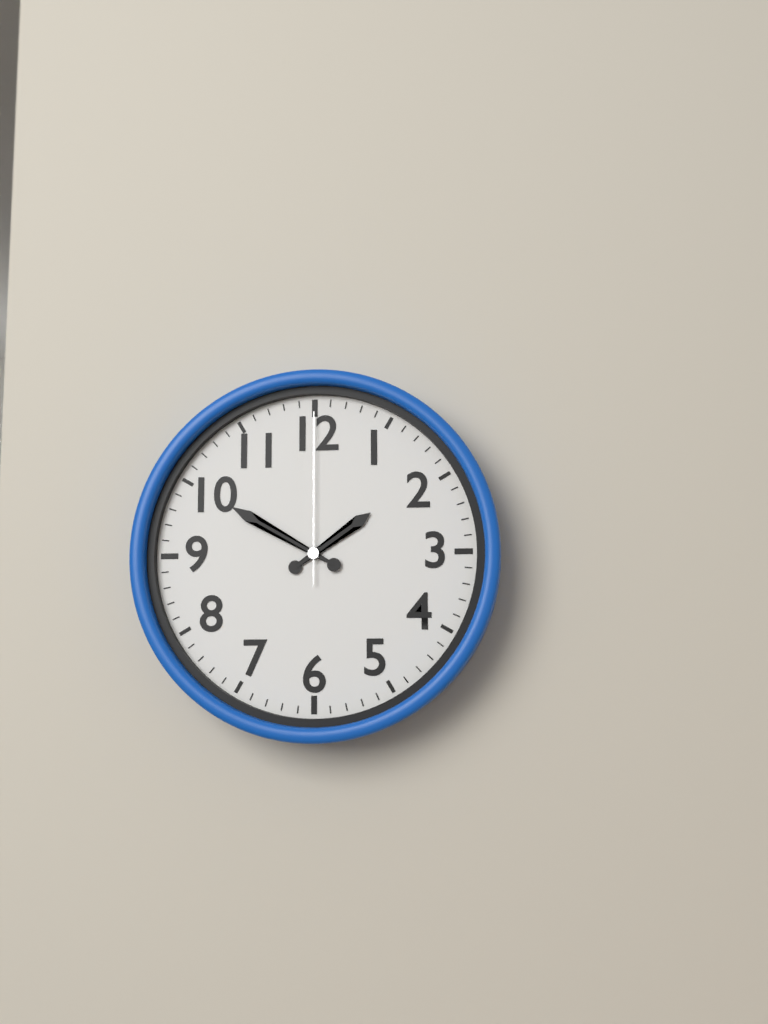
1h50m00s
